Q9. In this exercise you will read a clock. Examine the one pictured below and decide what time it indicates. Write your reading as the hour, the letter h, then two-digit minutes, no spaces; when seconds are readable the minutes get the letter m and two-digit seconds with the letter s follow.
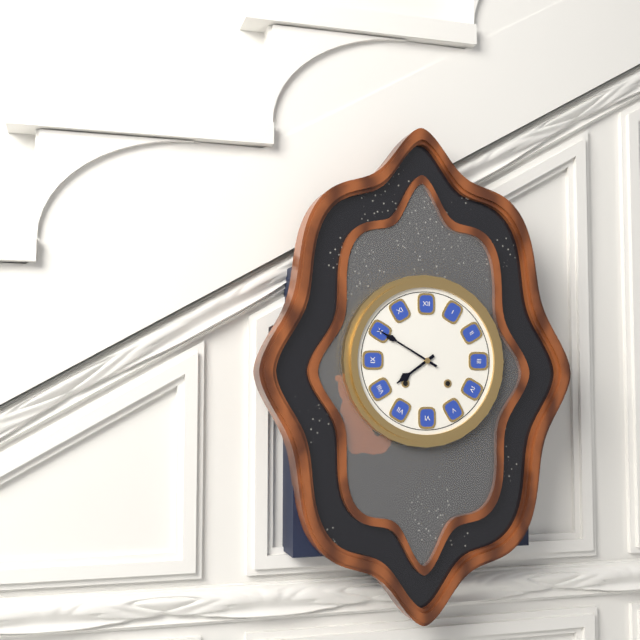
7h50
